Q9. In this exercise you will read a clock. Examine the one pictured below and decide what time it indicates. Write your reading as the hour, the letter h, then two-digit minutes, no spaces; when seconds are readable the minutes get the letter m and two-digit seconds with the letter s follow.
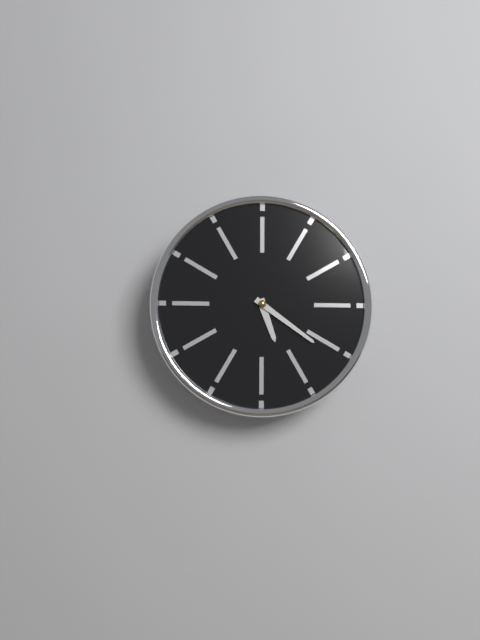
5h21
